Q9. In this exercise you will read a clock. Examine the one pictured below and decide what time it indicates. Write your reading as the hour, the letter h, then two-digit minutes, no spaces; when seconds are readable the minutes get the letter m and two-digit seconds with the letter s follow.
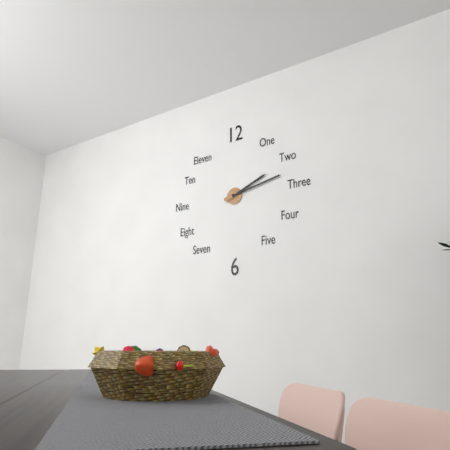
2h13
